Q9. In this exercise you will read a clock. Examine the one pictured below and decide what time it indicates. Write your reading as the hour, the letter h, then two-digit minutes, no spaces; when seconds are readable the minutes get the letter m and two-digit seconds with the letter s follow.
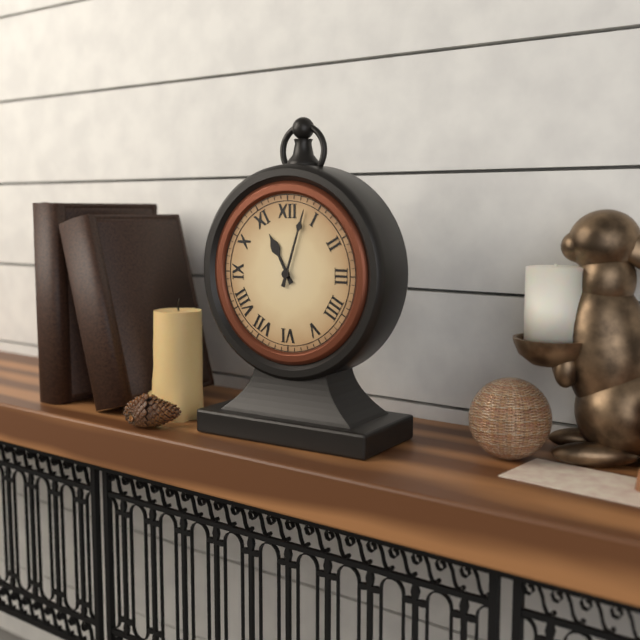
11h03
